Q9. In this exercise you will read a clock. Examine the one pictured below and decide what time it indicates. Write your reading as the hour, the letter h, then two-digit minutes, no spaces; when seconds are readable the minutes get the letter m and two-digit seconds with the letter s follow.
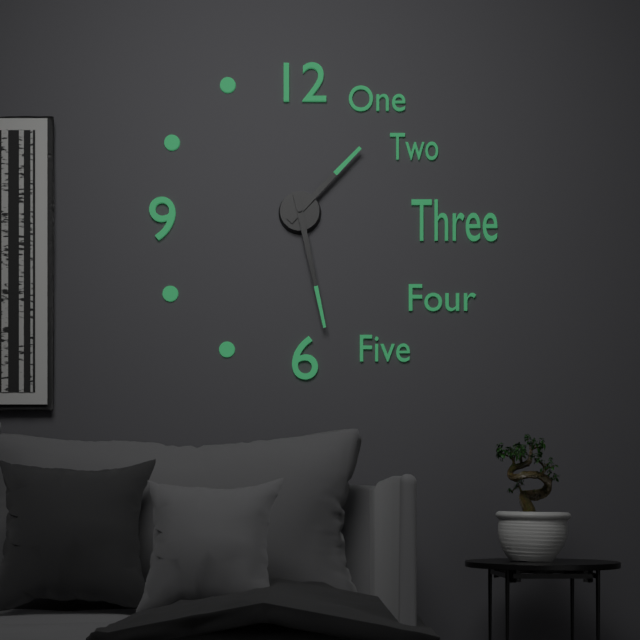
1h28
